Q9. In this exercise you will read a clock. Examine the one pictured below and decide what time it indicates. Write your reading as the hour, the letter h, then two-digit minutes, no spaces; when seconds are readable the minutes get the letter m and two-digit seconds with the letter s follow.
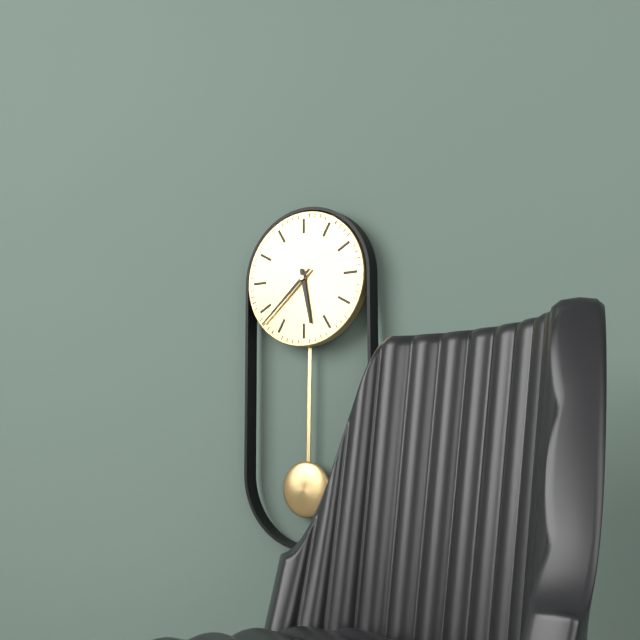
5h38
